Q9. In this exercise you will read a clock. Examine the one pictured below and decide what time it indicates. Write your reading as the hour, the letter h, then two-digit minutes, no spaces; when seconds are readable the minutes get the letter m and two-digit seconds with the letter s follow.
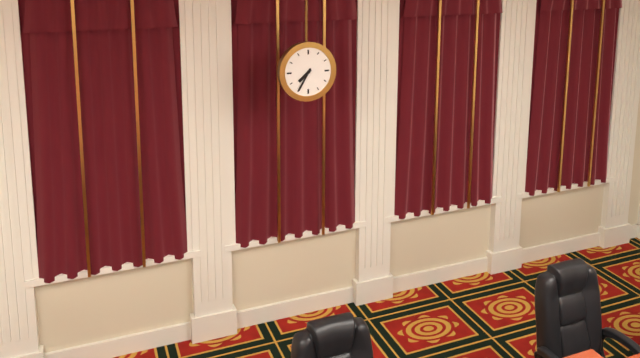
7h35
